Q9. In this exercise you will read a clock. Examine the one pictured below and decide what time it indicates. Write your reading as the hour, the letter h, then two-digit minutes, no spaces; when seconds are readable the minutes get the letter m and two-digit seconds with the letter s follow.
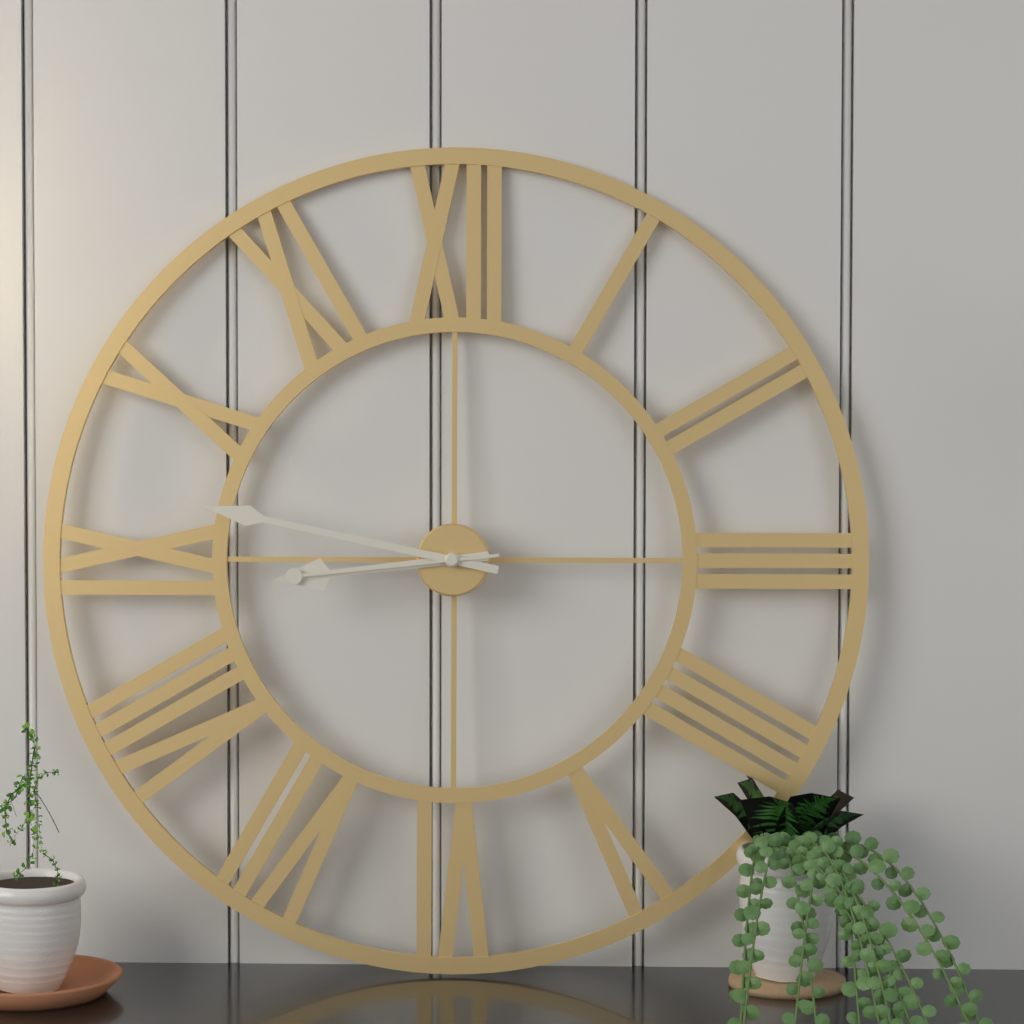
8h47m44s
